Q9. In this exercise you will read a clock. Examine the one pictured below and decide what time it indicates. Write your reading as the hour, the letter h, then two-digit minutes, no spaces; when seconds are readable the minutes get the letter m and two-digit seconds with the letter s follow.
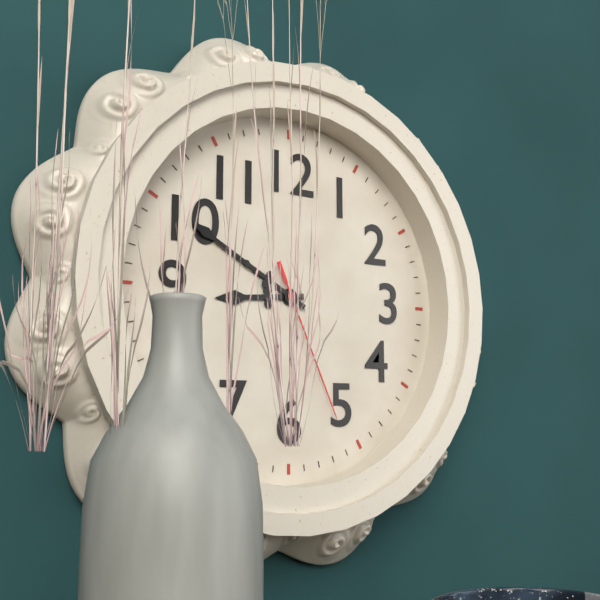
8h50m26s
